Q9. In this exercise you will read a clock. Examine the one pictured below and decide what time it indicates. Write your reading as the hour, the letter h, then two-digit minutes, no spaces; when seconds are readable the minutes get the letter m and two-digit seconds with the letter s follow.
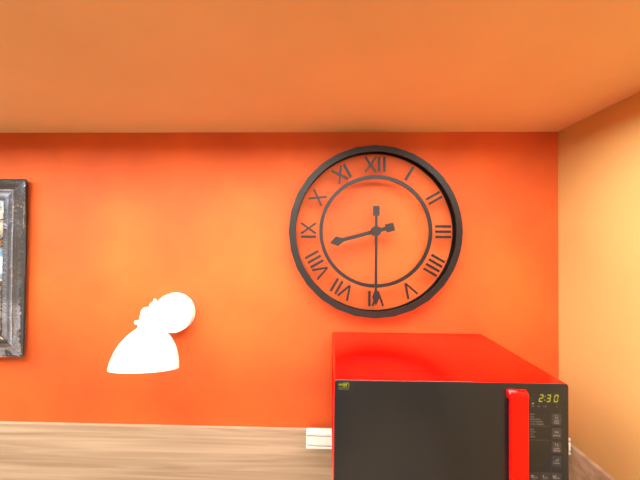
8h30
